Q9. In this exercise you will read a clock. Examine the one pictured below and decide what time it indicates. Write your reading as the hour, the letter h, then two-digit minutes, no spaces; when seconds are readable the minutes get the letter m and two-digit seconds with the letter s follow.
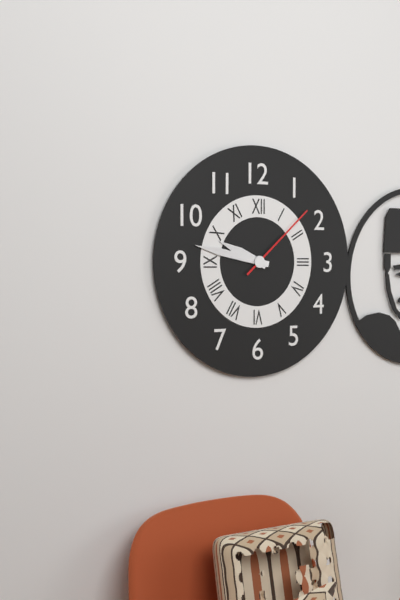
9h47m08s
